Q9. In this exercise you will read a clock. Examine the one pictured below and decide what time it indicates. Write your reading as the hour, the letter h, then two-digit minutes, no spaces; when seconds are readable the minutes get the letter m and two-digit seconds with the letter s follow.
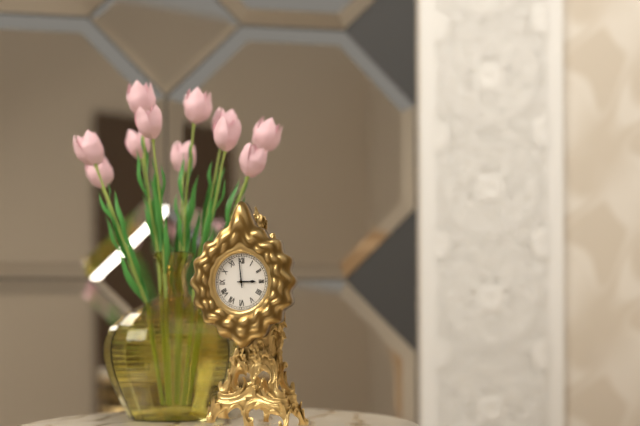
2h59
